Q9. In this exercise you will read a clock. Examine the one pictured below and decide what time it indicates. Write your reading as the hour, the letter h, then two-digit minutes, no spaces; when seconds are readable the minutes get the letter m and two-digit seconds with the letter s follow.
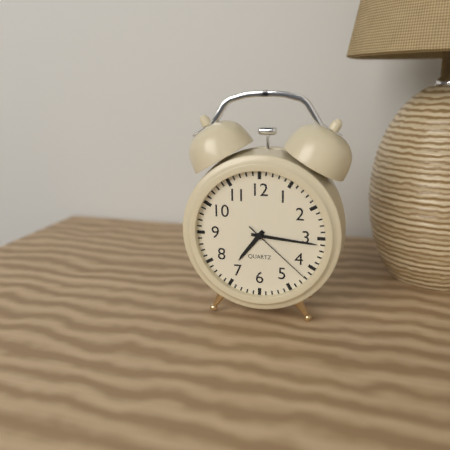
7h16m22s
